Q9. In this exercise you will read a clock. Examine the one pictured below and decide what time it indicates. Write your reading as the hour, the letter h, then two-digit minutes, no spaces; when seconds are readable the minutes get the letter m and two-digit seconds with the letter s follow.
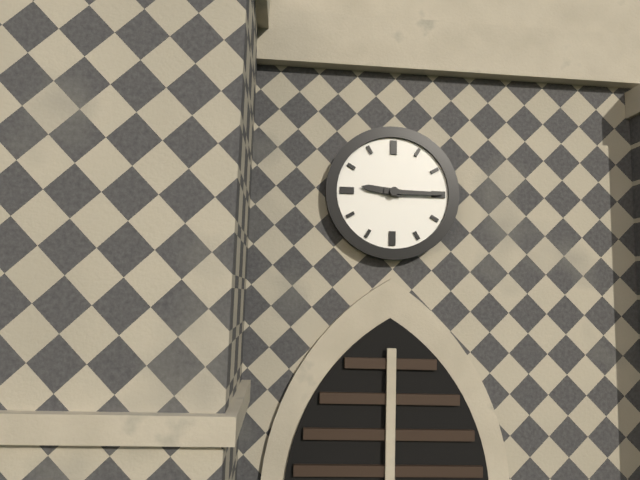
9h15
